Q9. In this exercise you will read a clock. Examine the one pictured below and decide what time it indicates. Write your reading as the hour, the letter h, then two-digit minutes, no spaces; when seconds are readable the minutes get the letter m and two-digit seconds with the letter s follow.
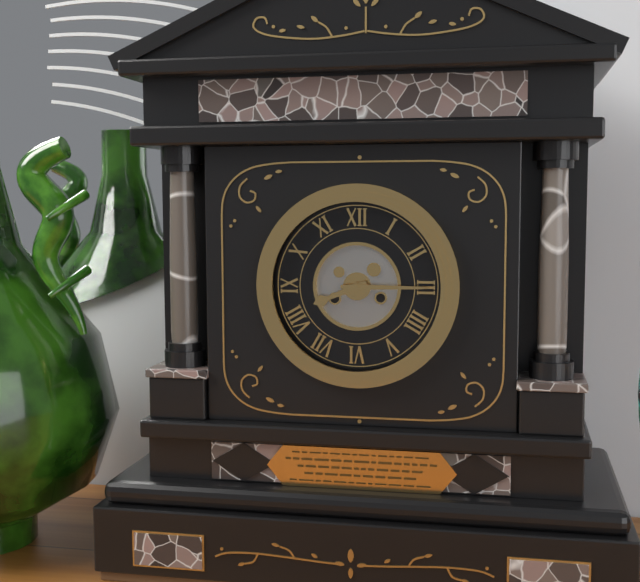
8h15
